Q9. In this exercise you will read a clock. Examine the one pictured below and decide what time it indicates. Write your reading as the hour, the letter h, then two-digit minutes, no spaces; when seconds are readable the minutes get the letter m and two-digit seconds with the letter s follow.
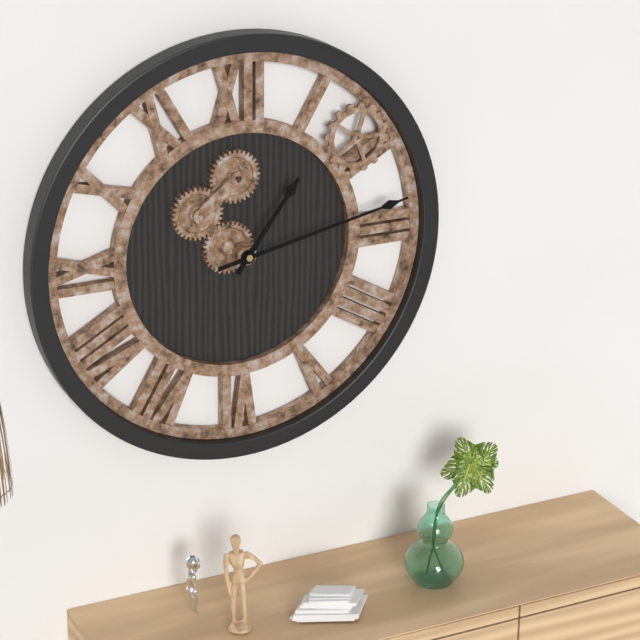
1h13
